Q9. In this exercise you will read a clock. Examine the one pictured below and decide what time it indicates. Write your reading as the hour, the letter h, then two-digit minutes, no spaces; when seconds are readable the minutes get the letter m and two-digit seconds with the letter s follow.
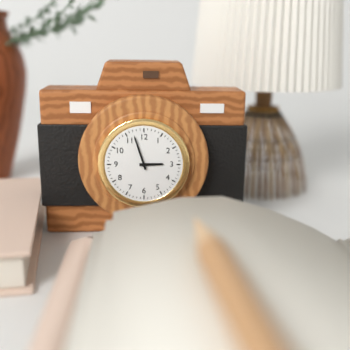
2h57
